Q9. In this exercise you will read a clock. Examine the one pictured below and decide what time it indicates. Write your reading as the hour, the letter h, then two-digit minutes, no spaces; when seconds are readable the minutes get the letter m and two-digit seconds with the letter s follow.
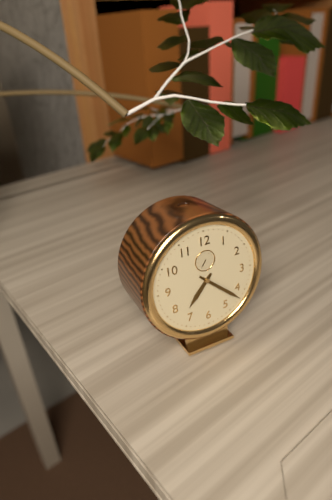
7h22
